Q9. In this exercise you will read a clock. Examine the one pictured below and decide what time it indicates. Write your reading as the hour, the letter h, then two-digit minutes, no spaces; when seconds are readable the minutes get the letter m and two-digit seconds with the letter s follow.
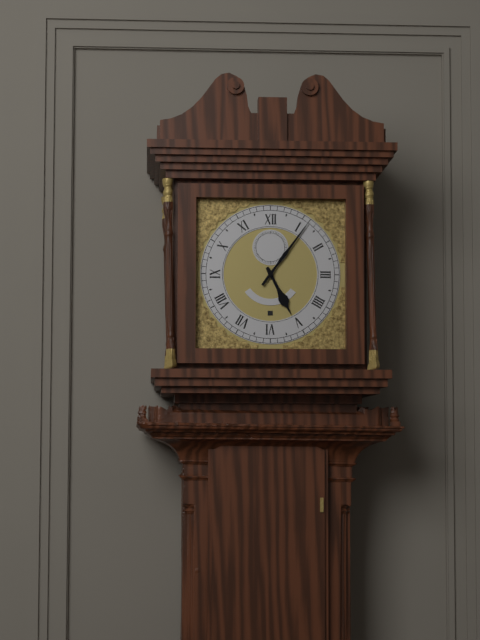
5h06
